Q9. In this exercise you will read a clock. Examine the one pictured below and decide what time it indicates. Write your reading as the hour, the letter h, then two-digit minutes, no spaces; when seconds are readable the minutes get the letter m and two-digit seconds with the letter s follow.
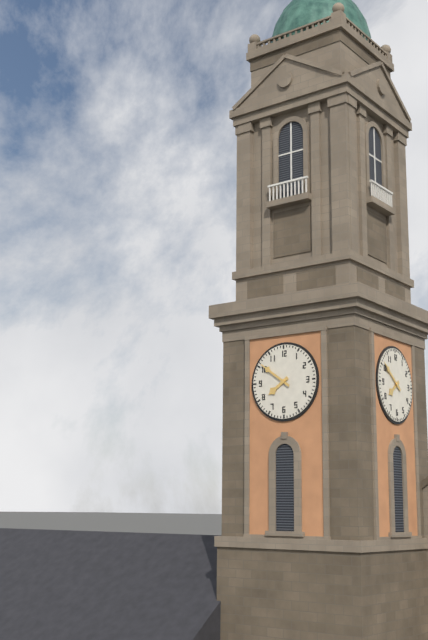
7h51
